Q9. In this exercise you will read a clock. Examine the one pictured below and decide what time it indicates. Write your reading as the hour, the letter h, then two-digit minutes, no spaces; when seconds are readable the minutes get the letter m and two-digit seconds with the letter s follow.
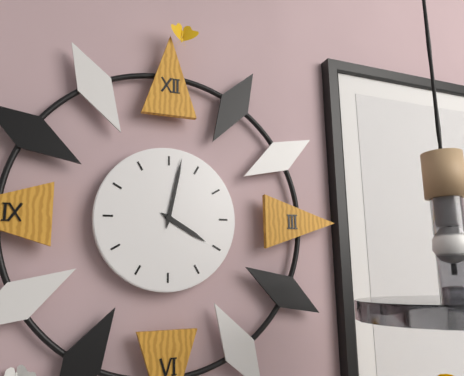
4h02
